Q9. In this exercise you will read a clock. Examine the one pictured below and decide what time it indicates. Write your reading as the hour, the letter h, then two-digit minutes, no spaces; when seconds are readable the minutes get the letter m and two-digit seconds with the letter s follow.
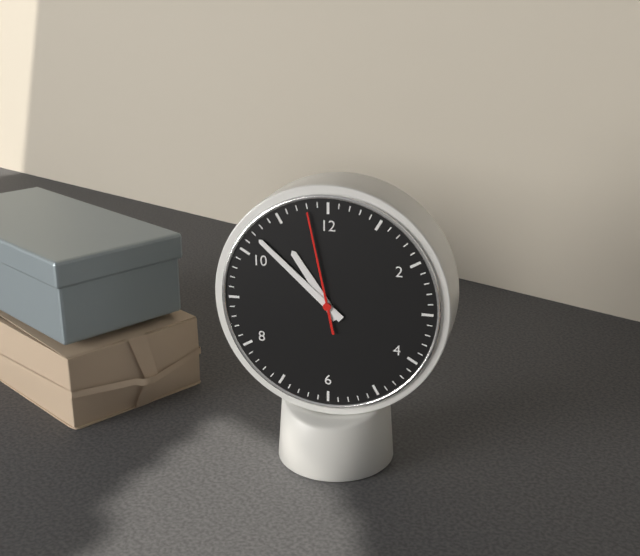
10h52m58s
